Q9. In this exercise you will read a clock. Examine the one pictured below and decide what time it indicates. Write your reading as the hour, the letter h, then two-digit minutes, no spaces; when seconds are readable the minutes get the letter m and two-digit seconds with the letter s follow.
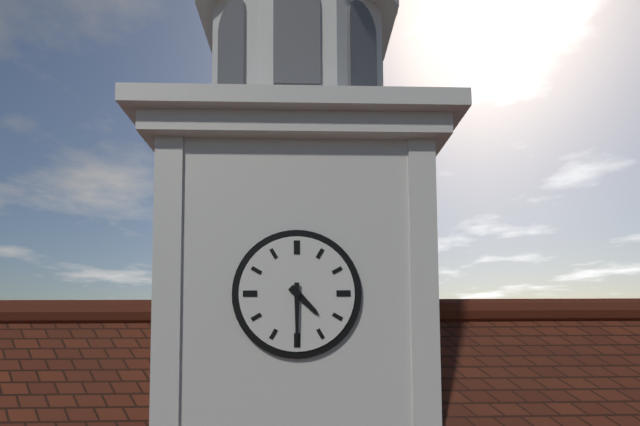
4h30
